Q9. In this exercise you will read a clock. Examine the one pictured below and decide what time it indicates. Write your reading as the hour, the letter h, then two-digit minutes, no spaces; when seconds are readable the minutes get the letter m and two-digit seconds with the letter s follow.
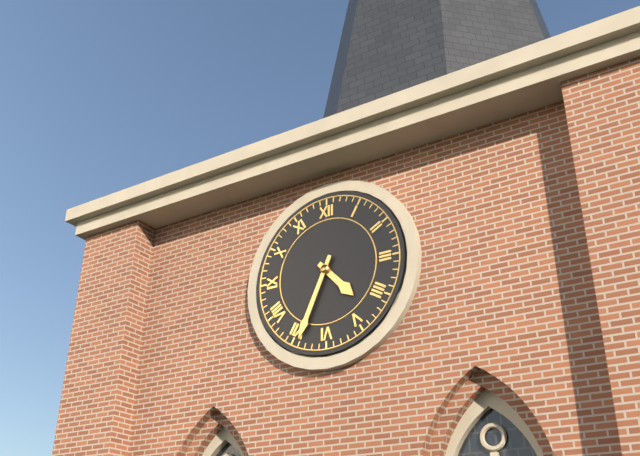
4h34
